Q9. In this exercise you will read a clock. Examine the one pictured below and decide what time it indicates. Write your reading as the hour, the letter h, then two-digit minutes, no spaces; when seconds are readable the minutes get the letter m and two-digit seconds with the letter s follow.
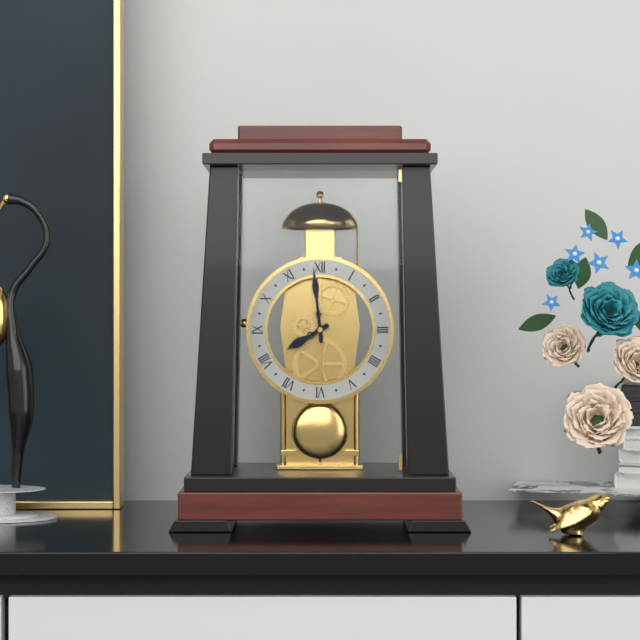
7h59
